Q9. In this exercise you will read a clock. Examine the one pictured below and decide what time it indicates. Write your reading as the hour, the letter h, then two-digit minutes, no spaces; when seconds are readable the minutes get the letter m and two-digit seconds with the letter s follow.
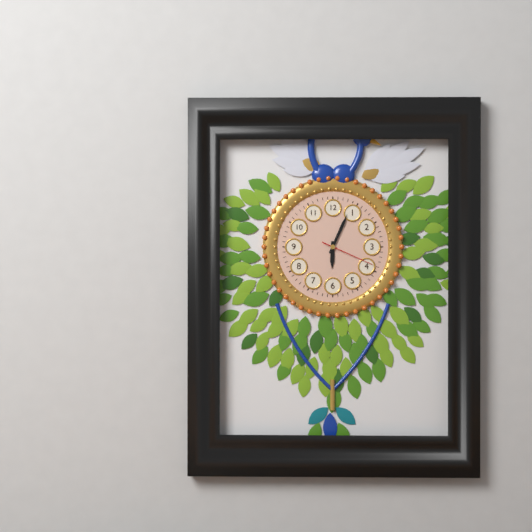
6h04m19s
